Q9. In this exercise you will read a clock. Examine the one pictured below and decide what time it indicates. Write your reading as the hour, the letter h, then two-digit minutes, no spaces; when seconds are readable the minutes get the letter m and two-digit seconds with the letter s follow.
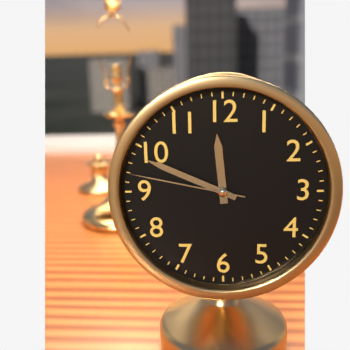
11h49m47s
